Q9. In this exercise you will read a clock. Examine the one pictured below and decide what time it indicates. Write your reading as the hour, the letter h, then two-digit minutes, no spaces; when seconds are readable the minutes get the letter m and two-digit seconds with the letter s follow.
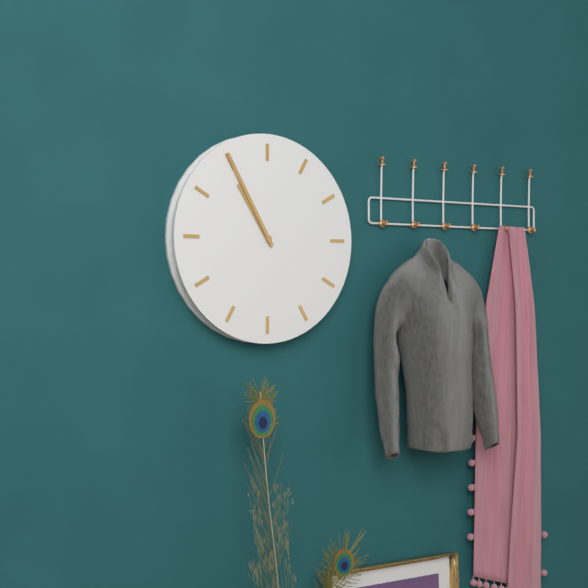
10h55
